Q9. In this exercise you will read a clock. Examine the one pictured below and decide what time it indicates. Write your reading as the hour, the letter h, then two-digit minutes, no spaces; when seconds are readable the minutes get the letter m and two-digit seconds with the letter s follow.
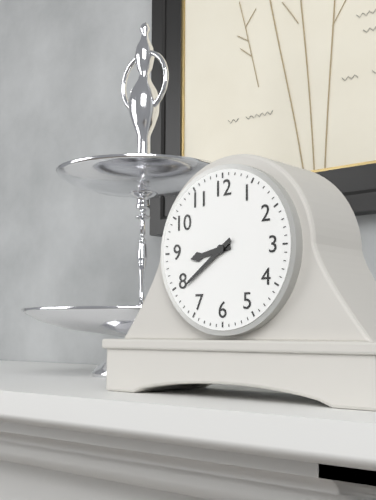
8h39
